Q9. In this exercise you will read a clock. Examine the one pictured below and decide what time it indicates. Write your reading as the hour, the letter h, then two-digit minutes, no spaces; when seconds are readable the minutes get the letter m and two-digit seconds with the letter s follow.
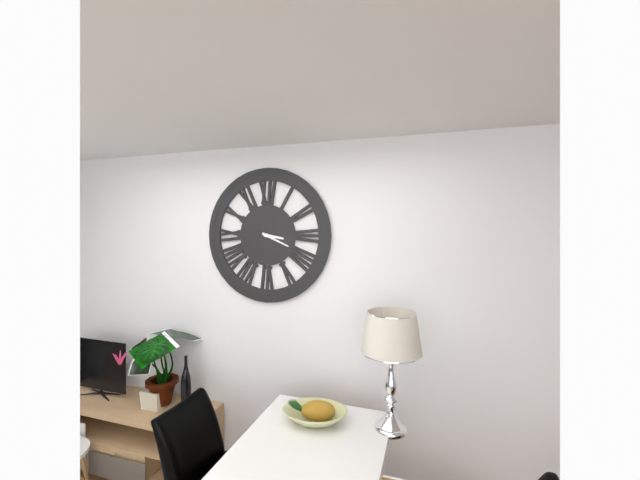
3h19
